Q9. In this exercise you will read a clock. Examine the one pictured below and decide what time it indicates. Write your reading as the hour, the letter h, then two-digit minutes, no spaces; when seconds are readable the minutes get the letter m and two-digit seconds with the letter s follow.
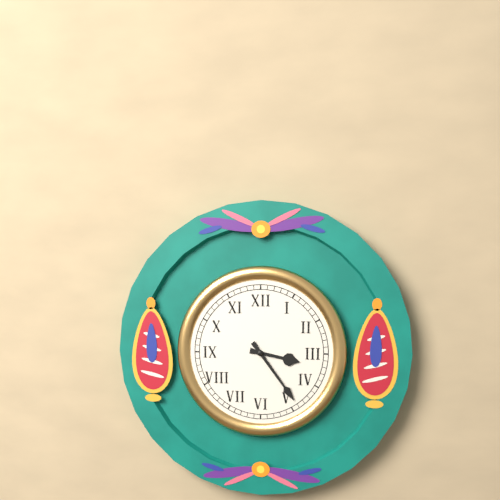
3h24
